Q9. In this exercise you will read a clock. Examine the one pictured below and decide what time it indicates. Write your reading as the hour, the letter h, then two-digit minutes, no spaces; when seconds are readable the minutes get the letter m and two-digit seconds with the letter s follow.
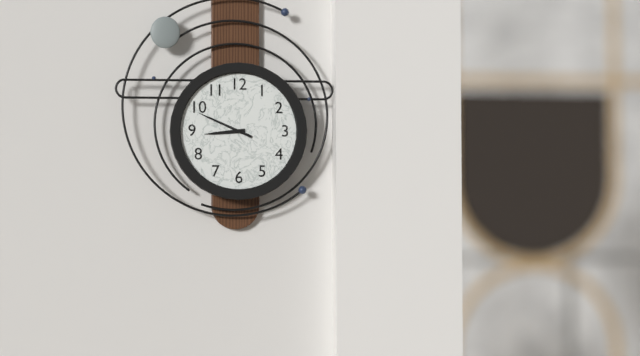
8h49
